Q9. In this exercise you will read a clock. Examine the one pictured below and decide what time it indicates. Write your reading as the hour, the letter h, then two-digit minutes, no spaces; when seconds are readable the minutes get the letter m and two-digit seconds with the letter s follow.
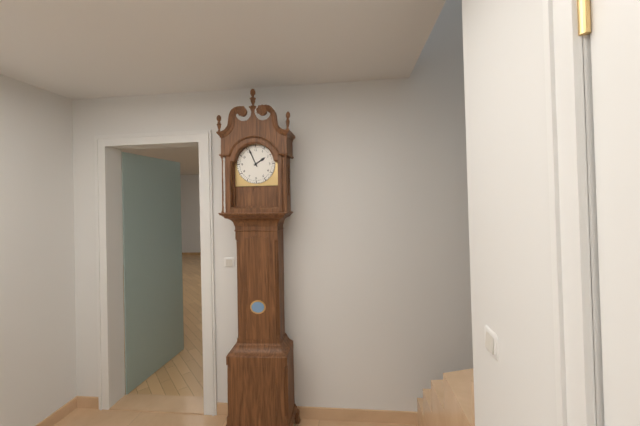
1h56
